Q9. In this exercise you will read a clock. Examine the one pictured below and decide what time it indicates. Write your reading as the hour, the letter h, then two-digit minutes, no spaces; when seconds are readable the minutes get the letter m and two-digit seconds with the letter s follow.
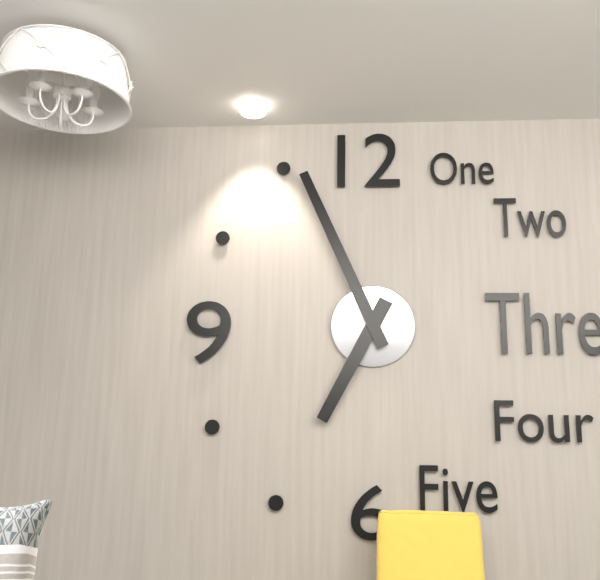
6h56
